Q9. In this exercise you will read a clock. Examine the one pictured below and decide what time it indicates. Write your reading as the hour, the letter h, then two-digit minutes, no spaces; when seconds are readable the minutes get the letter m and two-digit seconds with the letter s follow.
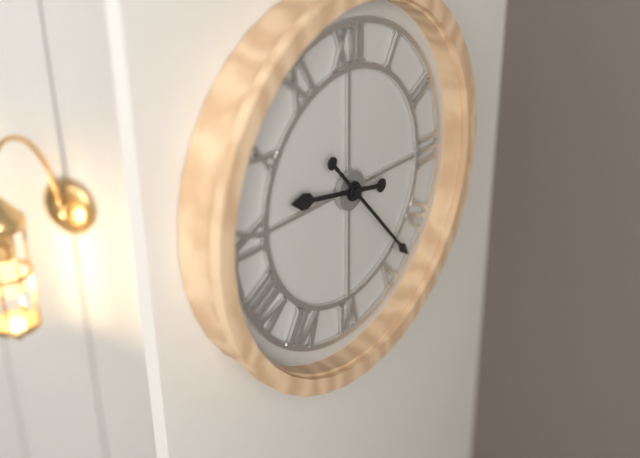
9h23
